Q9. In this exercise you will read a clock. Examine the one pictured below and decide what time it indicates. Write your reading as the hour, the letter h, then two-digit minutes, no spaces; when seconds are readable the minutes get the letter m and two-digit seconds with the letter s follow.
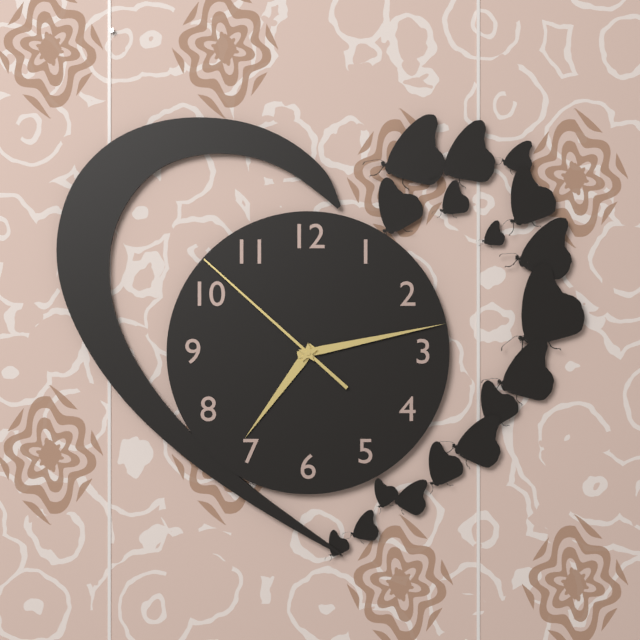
7h13m52s
